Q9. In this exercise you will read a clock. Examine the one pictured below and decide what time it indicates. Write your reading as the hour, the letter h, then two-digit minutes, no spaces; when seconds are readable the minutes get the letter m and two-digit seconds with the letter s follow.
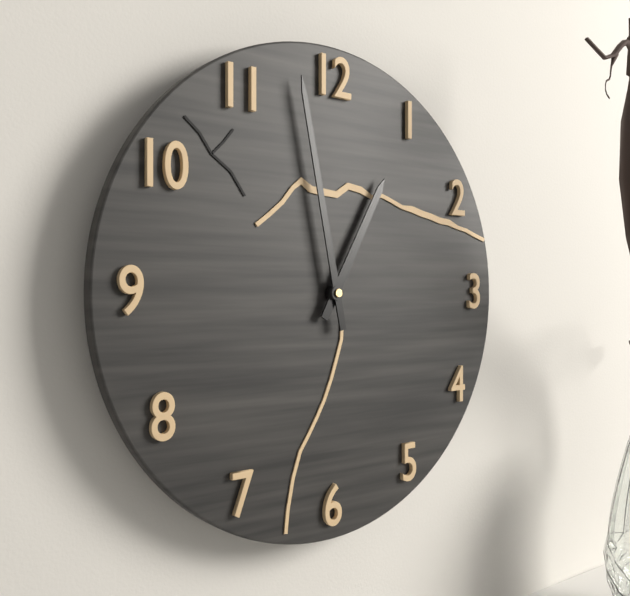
12h58
